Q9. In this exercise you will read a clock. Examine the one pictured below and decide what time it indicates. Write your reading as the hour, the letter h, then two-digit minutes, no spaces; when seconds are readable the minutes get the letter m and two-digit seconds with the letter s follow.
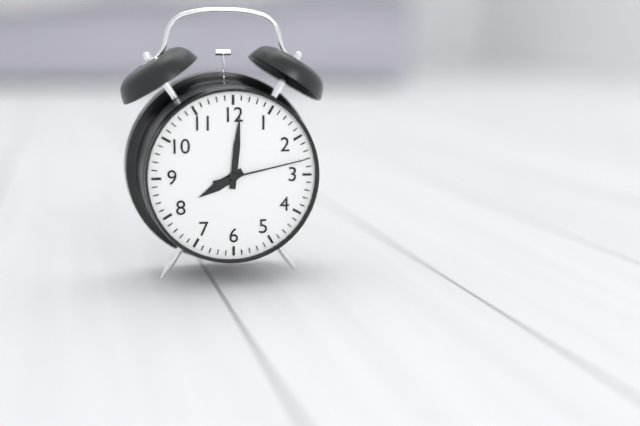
8h01m13s
